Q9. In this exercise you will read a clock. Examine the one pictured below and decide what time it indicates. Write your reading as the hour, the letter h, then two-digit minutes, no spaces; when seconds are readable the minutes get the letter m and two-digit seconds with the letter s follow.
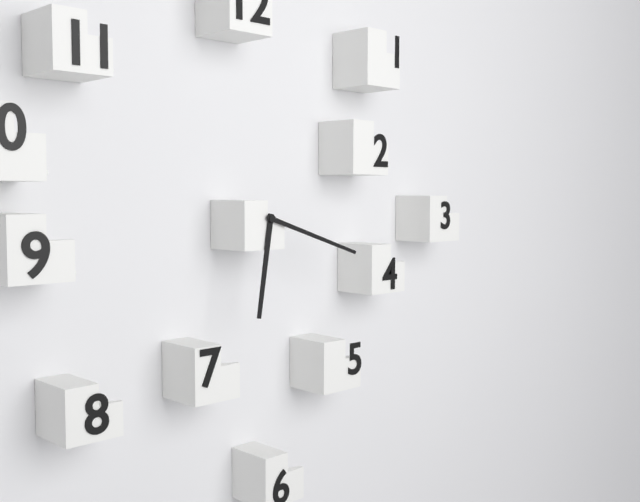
6h18
